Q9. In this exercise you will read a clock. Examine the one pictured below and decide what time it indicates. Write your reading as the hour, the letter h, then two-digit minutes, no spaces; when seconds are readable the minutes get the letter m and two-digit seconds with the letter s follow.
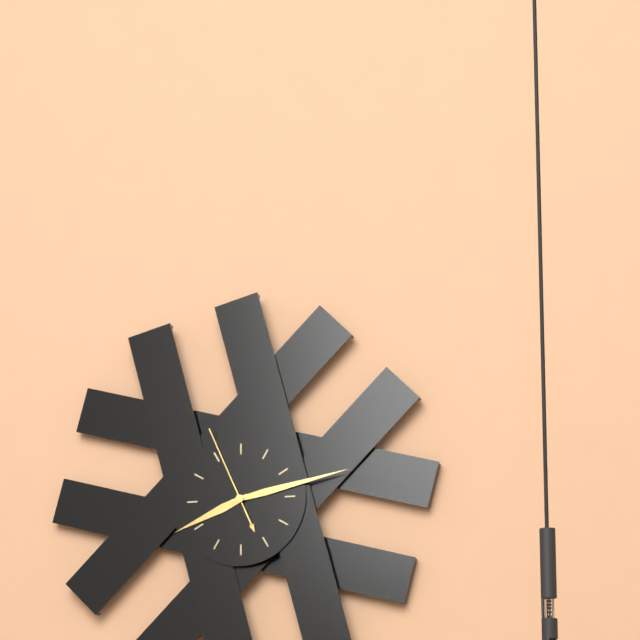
8h13m56s
